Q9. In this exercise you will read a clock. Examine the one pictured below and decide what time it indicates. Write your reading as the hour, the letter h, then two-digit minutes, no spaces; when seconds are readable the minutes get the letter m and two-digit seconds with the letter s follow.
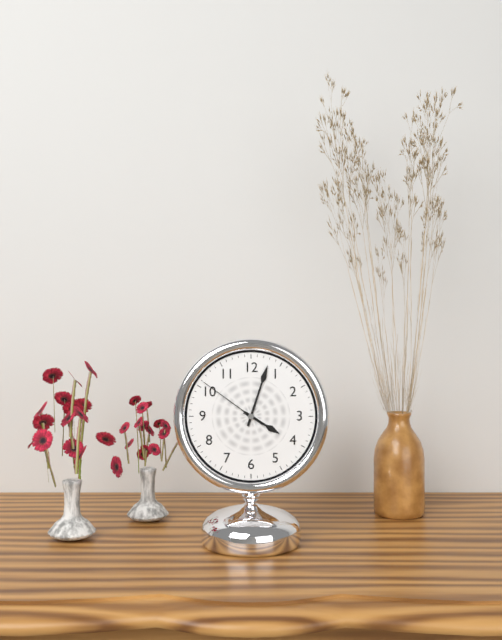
4h03m51s
